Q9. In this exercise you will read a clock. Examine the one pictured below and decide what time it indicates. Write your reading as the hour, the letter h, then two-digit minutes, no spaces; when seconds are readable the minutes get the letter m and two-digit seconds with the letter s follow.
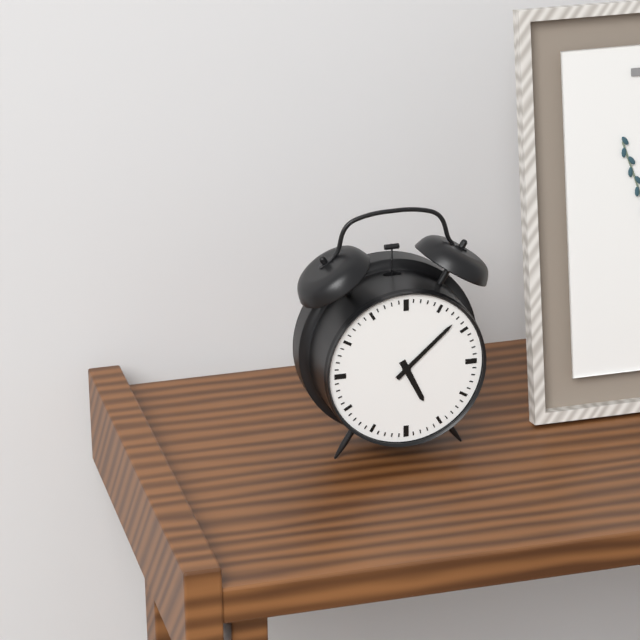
5h08
